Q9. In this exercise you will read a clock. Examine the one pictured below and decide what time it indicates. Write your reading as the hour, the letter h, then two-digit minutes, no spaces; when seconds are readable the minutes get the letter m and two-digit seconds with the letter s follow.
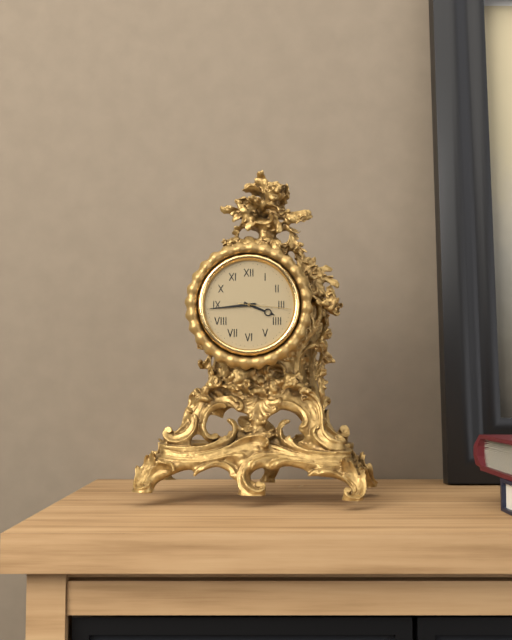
3h44m16s
